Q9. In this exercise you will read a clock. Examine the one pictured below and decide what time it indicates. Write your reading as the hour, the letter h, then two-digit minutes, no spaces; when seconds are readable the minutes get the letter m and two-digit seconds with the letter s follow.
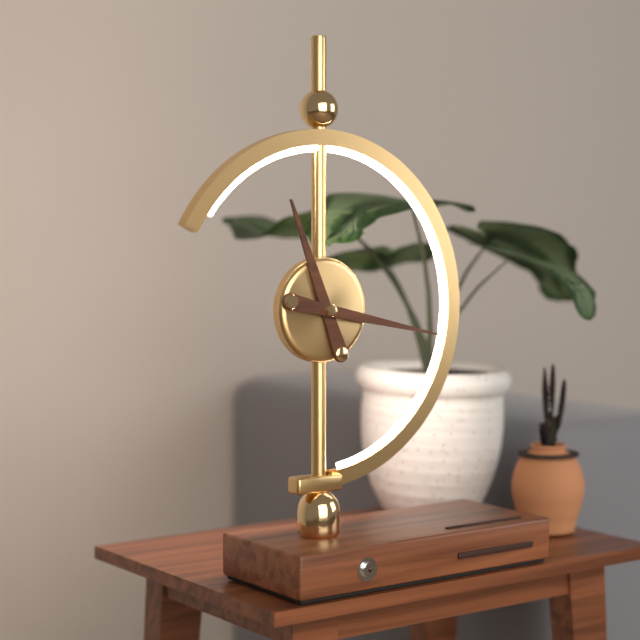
11h17
